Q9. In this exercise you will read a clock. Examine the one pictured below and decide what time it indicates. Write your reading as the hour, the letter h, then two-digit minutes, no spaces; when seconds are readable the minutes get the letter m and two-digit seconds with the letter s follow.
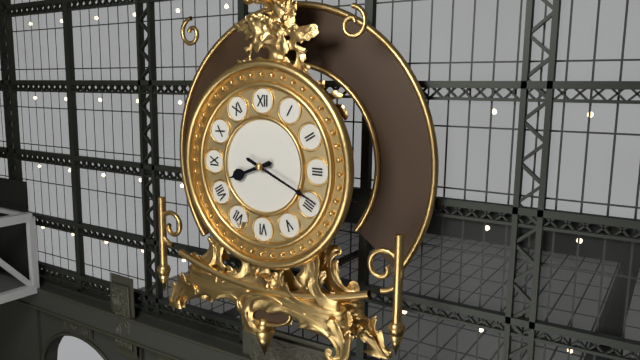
8h19
